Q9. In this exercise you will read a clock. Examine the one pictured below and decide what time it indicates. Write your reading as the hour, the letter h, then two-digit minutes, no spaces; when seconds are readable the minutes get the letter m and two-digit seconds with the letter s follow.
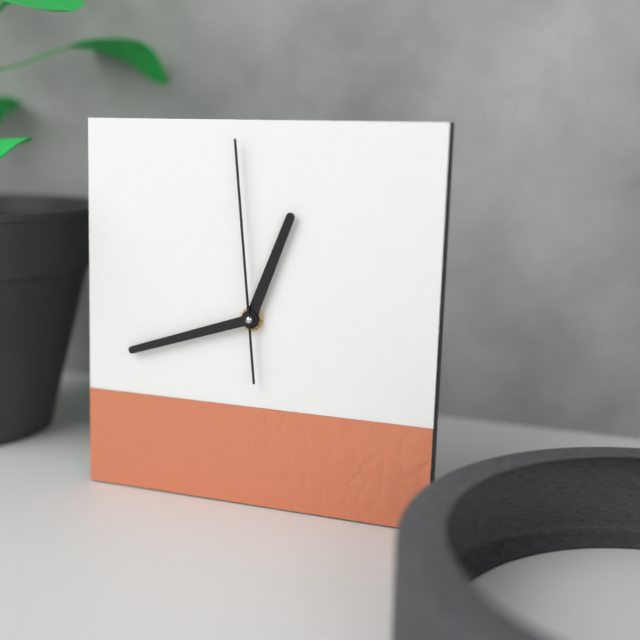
12h42m59s
